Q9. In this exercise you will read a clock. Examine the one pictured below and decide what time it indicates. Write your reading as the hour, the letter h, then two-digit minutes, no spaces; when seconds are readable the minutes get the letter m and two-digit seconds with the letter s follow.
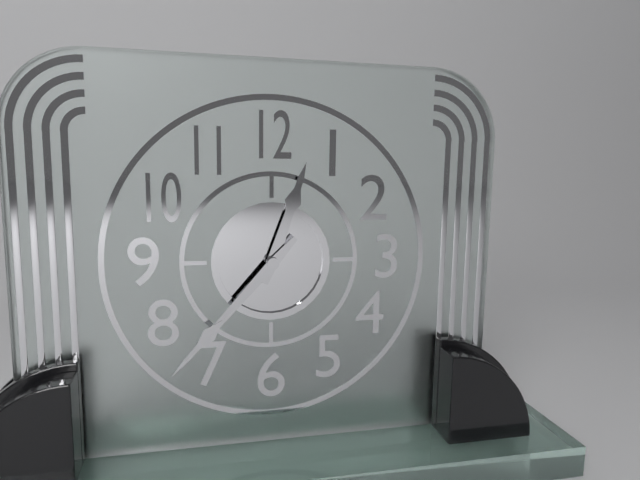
12h37
